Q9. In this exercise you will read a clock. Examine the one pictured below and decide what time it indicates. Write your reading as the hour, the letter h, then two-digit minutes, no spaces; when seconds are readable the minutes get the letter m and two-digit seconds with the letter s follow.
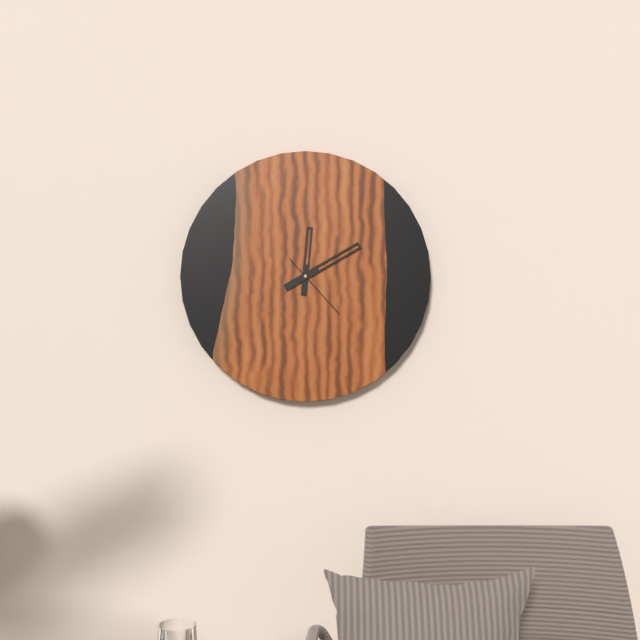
12h10m23s
